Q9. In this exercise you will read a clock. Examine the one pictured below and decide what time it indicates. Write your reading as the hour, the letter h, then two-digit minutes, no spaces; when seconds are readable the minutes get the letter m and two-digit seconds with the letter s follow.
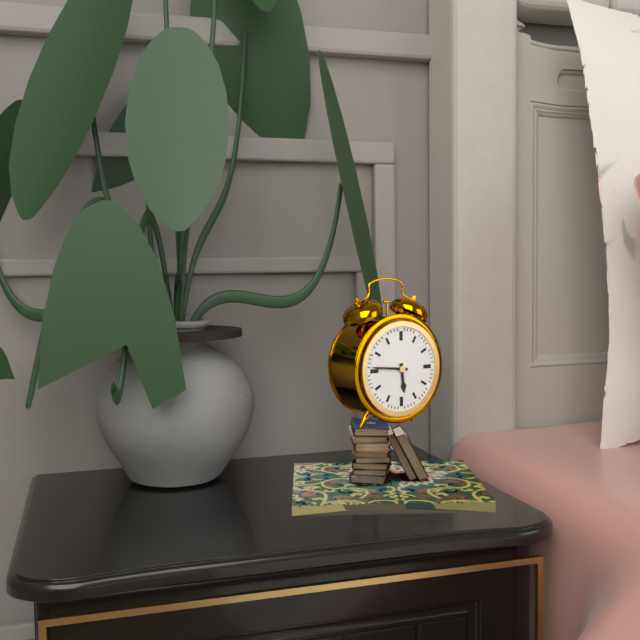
5h46
